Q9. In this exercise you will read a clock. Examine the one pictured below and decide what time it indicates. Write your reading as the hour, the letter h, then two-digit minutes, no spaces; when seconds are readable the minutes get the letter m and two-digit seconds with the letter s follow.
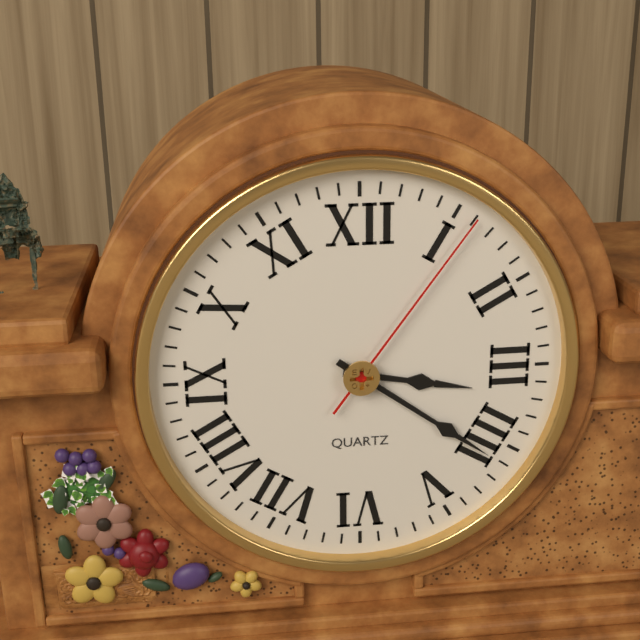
3h21m06s
